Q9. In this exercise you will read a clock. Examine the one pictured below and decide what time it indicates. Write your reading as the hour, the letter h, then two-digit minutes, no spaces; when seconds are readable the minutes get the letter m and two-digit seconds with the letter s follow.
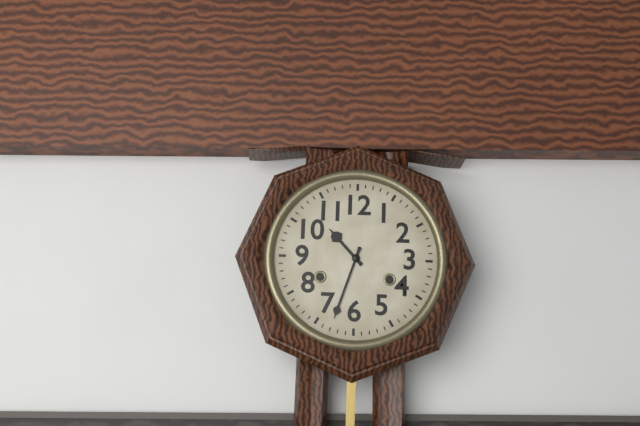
10h33
